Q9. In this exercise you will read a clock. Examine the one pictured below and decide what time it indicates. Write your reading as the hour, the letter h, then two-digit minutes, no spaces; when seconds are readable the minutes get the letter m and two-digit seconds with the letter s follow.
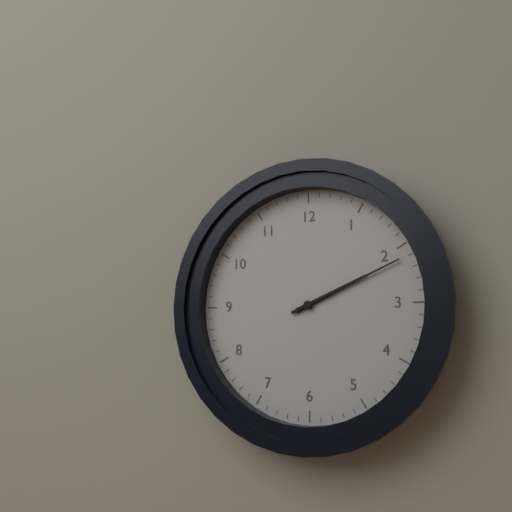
2h11
